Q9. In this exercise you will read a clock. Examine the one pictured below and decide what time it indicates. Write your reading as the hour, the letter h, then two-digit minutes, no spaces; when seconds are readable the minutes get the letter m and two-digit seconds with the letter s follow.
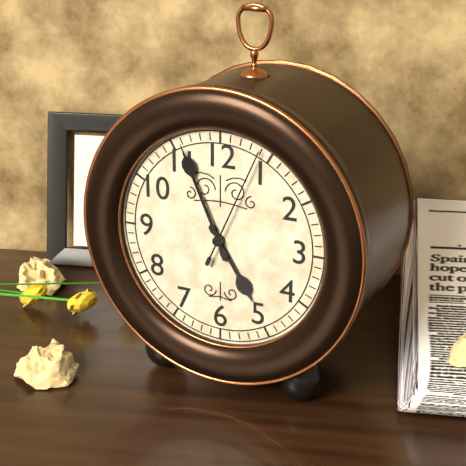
4h56m04s
